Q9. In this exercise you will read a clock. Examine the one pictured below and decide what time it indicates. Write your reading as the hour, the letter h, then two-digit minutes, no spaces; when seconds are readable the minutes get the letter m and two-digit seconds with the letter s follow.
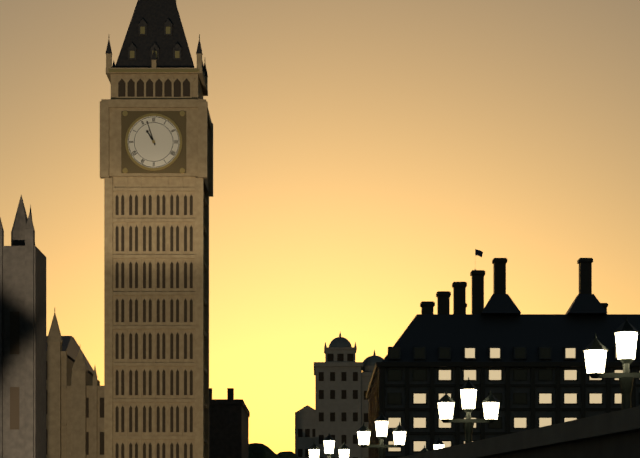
10h57
